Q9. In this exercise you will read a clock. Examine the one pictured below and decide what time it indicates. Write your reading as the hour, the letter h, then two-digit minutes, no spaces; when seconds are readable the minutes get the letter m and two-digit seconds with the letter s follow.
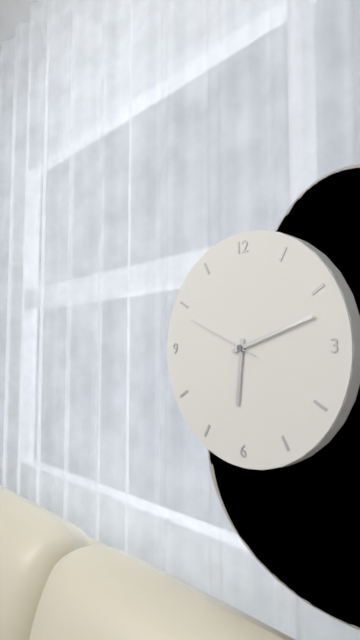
6h12m49s
